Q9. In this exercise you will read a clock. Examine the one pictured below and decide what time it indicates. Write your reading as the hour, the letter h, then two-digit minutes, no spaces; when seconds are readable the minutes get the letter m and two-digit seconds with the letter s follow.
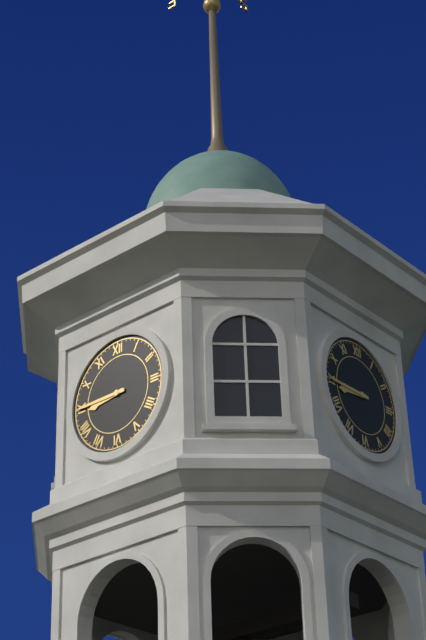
8h45
